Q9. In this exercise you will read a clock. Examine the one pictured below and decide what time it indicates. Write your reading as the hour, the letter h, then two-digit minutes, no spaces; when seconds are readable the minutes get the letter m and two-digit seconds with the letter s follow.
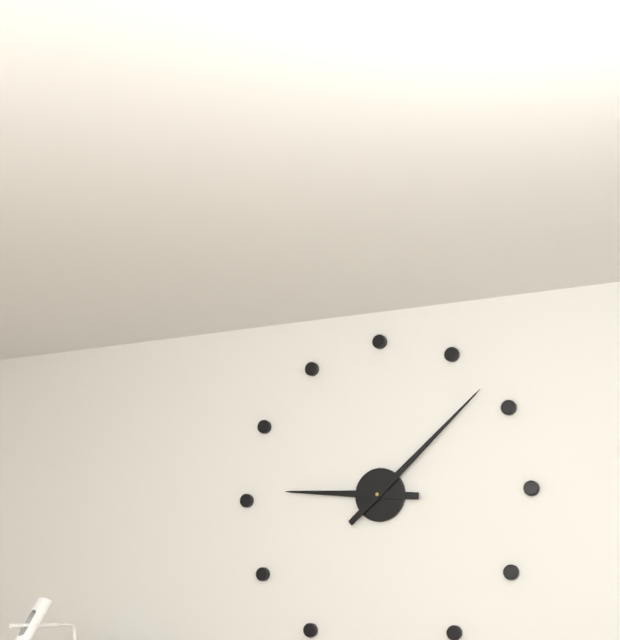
9h08
